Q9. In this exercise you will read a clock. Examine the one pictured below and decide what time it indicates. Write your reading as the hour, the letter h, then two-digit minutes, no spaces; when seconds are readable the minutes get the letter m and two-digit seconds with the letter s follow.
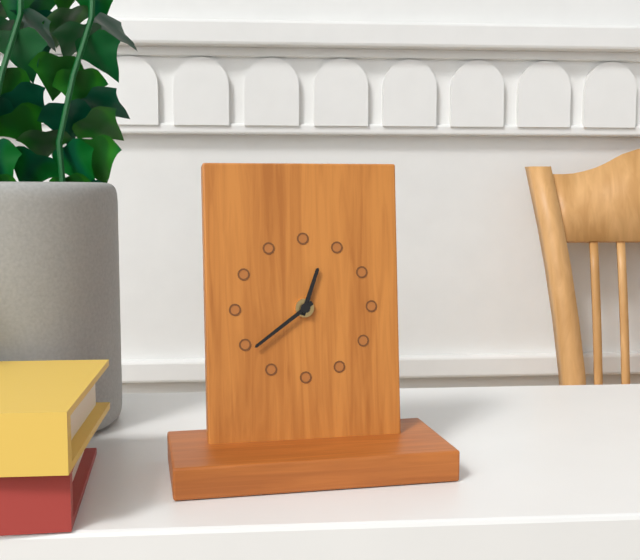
12h39
